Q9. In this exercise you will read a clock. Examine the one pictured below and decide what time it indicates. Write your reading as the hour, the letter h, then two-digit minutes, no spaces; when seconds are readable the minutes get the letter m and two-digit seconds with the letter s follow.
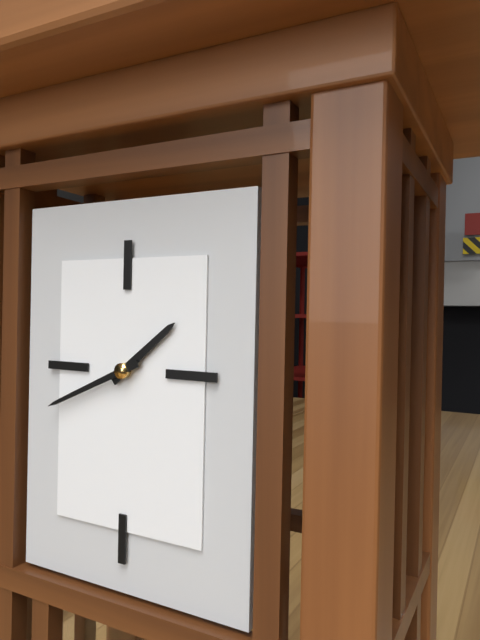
1h41
